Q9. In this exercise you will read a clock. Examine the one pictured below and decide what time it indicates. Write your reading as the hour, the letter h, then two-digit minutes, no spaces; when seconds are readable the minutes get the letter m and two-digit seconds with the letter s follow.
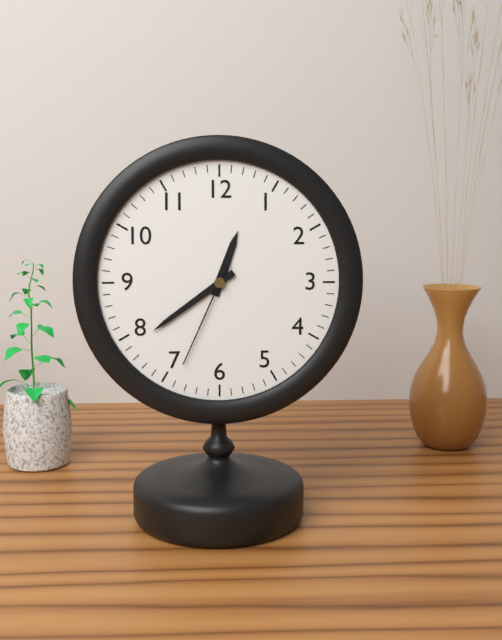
12h39m34s
